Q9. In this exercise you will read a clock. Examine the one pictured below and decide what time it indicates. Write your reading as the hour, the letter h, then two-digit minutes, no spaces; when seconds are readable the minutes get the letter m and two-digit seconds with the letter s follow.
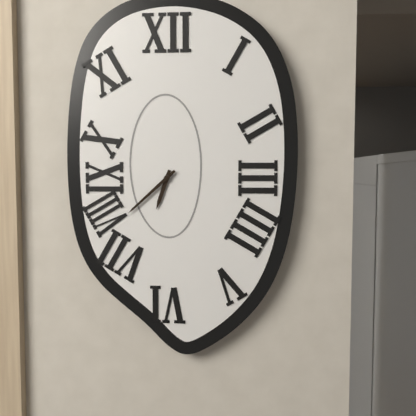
6h38
